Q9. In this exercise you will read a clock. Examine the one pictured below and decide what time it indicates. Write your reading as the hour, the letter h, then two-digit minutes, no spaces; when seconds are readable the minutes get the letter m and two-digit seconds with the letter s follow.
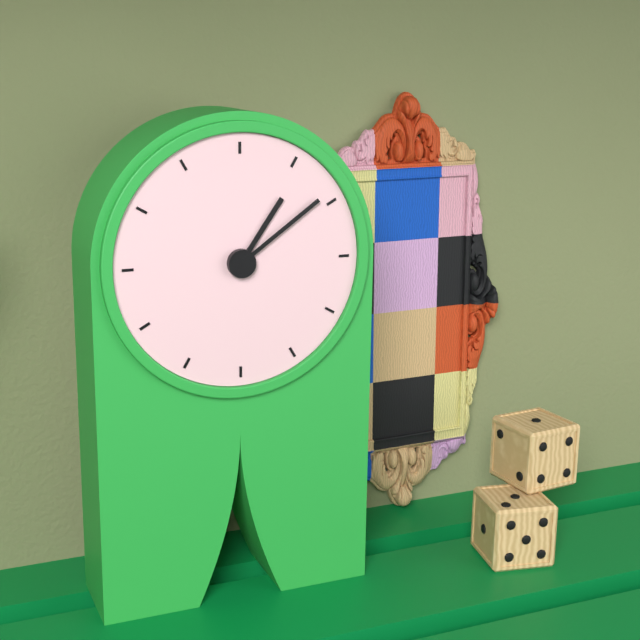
1h09
